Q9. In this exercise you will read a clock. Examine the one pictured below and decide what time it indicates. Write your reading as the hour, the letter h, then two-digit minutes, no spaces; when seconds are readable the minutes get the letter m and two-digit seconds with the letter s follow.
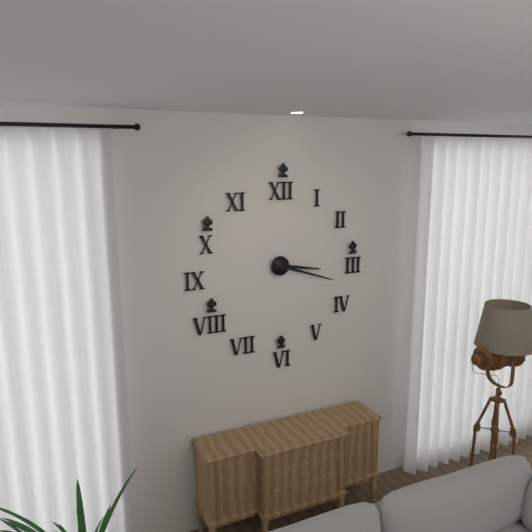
3h18
